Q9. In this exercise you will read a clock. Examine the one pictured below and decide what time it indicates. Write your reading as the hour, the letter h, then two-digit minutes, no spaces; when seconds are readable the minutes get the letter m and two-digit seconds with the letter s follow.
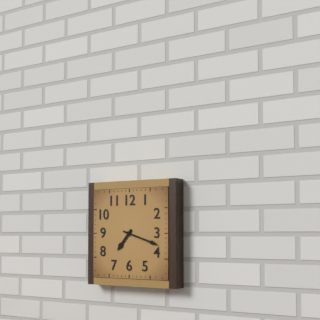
7h18
